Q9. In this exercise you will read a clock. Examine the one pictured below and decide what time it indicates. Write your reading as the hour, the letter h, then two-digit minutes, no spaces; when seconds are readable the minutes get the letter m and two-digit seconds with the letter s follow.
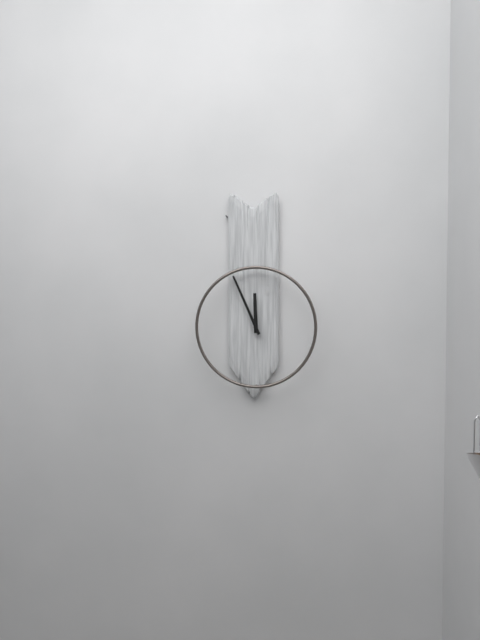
11h56
